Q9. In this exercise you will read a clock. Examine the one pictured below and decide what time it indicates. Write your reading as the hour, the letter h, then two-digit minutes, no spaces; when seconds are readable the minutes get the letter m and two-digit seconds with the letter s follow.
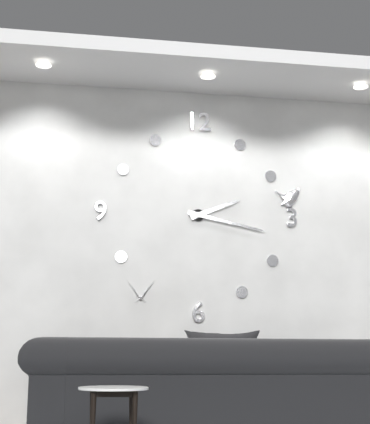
2h17
